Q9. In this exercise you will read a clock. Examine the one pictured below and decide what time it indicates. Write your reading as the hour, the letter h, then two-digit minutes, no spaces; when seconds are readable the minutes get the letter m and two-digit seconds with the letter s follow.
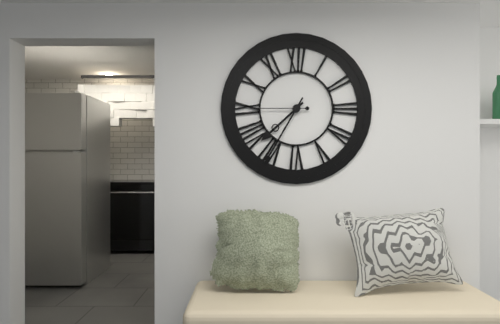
7h35m45s
